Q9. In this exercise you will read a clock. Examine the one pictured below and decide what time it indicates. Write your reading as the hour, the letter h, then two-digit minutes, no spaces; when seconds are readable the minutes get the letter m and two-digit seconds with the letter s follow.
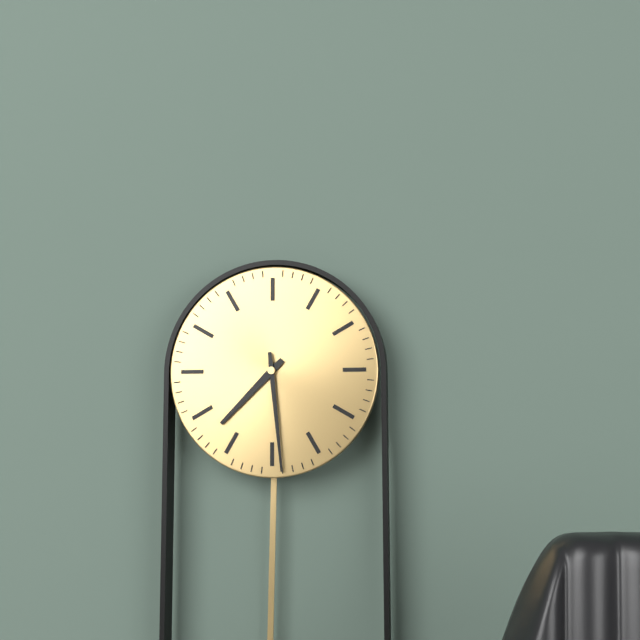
7h29
